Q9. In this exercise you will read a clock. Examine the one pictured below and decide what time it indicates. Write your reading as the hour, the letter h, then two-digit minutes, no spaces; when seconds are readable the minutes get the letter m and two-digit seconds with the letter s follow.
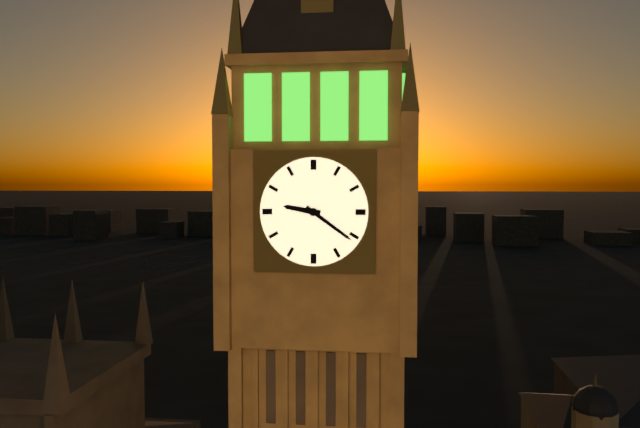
9h21
